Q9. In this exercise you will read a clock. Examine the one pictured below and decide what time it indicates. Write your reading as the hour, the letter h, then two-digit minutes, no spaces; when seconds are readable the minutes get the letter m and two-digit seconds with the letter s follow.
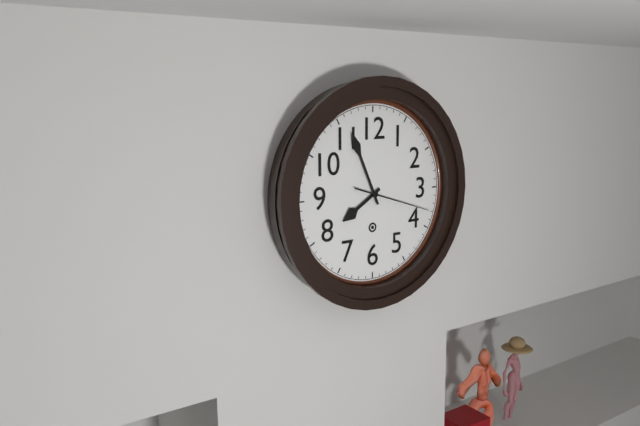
7h56m18s
